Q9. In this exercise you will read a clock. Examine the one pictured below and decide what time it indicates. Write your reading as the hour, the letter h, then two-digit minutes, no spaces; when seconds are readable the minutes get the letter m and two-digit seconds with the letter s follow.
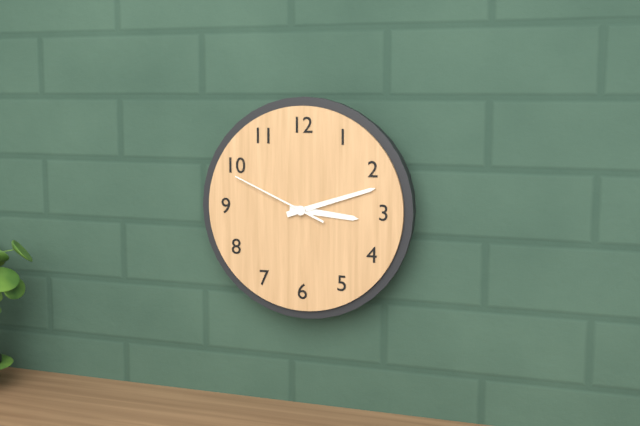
3h12m49s
